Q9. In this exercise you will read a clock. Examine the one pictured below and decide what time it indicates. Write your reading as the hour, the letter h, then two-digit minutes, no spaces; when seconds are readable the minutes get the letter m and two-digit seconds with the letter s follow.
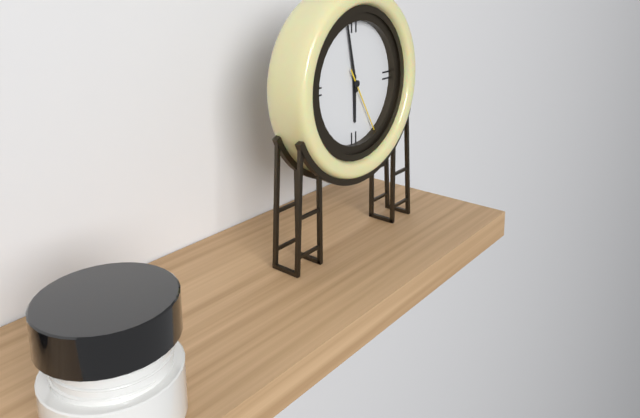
5h58m25s
